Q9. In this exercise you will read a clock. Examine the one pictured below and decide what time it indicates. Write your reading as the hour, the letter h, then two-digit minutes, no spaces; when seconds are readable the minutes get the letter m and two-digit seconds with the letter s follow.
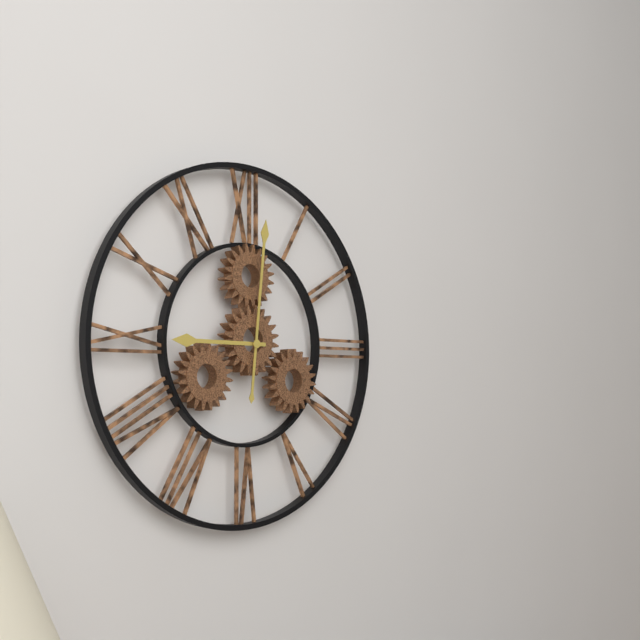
9h01
